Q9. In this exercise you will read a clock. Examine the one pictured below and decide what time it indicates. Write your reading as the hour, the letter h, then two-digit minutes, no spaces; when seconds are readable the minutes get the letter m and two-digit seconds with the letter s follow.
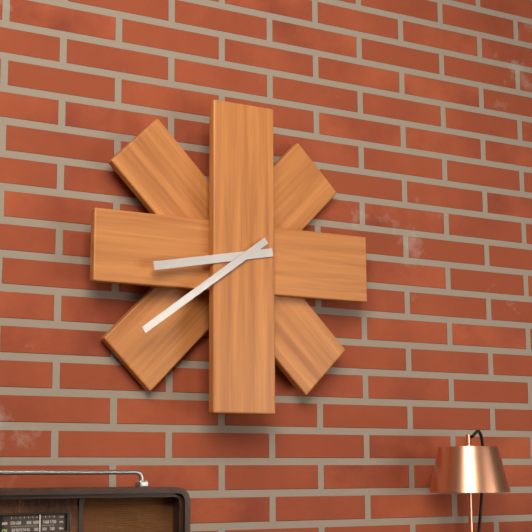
8h39
